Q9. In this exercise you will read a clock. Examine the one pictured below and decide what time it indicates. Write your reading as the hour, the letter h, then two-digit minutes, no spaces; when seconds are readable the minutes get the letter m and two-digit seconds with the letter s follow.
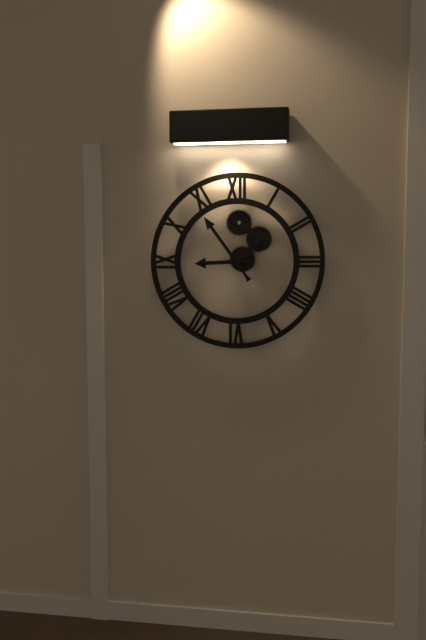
8h54
